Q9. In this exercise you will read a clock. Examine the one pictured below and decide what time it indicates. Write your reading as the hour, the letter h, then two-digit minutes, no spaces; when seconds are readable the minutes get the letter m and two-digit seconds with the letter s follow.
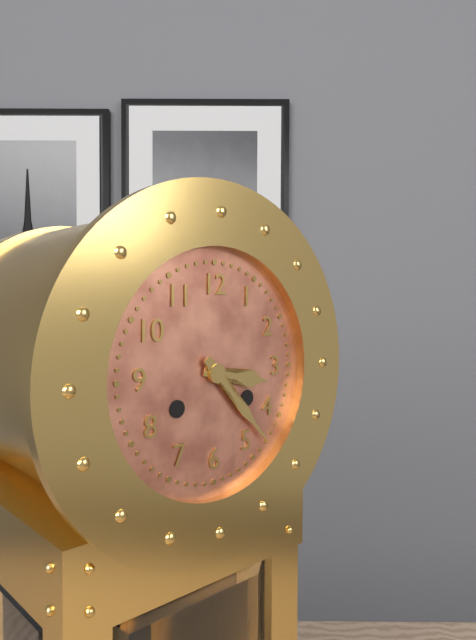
3h23
